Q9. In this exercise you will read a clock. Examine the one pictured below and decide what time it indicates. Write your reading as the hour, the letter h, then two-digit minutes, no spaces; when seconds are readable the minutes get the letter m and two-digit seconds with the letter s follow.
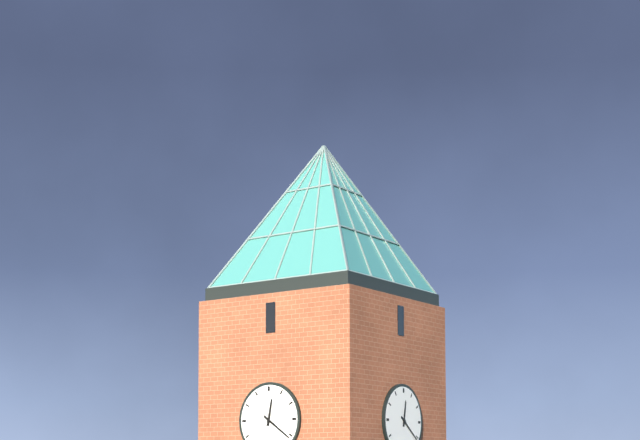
12h21
